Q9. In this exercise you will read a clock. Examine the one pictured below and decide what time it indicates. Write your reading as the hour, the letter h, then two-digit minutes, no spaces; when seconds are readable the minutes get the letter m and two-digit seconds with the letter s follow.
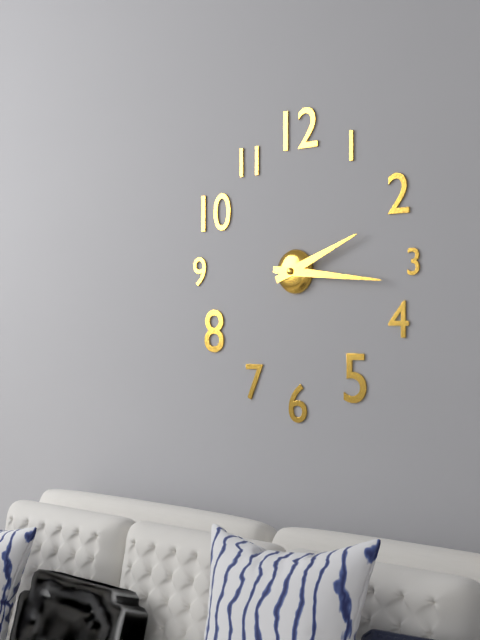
2h16
